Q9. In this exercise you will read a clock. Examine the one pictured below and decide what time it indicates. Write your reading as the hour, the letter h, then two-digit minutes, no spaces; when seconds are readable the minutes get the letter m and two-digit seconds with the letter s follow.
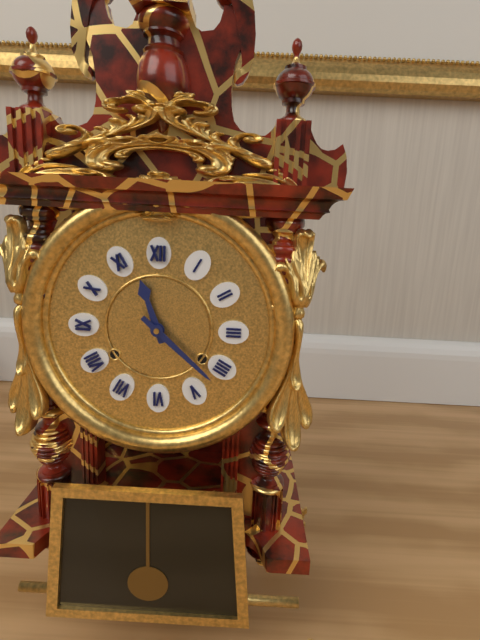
11h22
